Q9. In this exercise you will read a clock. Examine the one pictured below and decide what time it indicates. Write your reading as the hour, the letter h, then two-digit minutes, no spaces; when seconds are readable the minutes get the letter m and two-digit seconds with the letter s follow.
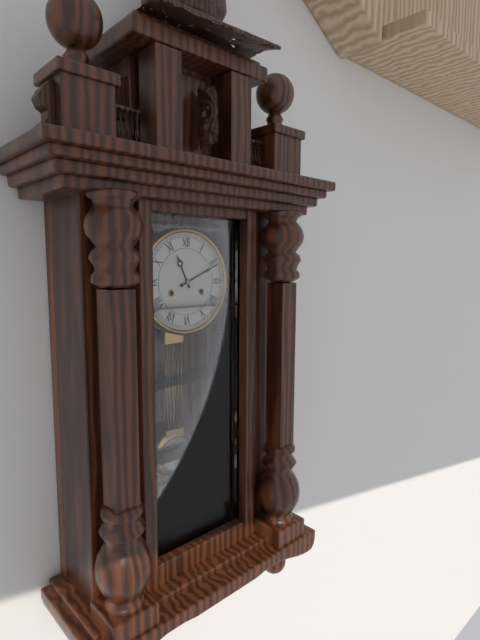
11h11
